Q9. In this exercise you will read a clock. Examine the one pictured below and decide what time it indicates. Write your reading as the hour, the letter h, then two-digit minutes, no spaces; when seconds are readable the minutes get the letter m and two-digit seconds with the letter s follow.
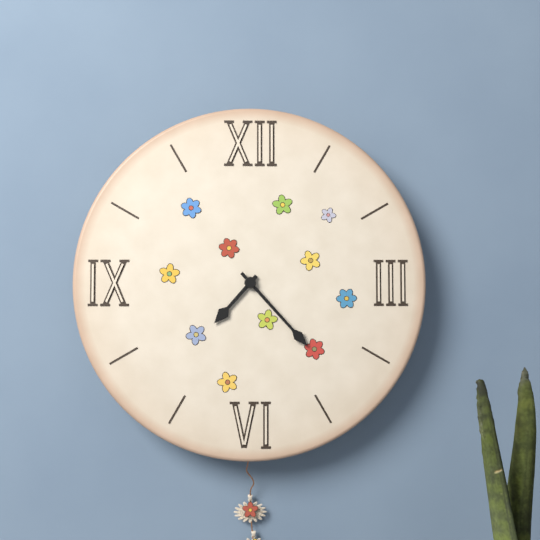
7h23
